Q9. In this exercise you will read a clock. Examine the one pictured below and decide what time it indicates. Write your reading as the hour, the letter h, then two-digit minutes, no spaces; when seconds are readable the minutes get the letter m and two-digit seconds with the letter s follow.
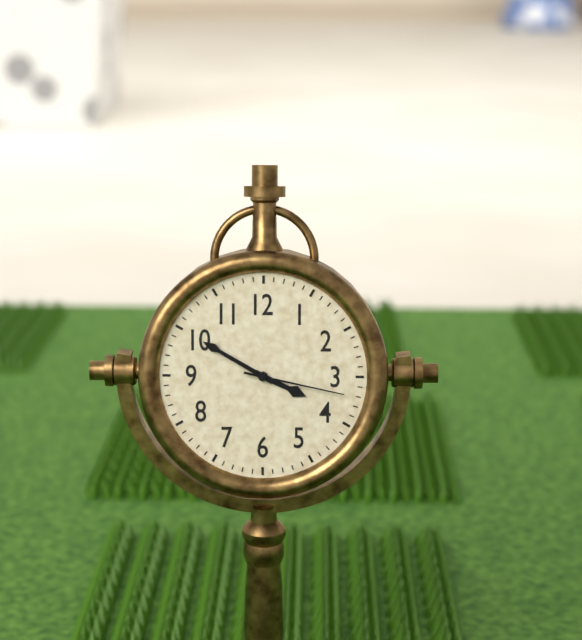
3h50m17s
